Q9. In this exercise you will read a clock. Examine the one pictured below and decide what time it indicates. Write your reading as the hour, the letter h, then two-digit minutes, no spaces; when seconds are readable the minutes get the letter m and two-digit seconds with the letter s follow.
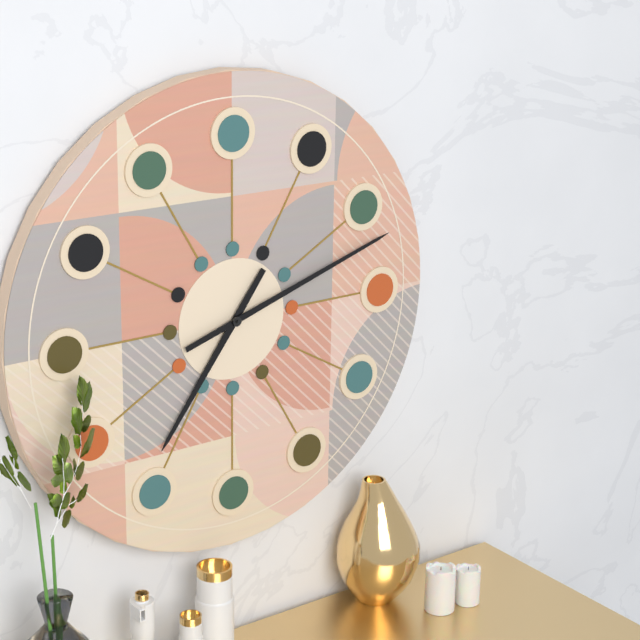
7h12
